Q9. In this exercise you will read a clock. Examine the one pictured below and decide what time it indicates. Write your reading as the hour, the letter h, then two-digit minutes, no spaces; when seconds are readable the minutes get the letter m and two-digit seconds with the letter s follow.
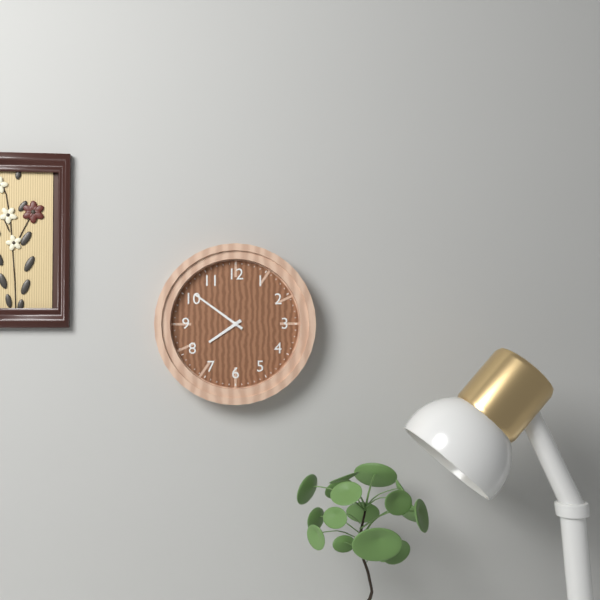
7h51
